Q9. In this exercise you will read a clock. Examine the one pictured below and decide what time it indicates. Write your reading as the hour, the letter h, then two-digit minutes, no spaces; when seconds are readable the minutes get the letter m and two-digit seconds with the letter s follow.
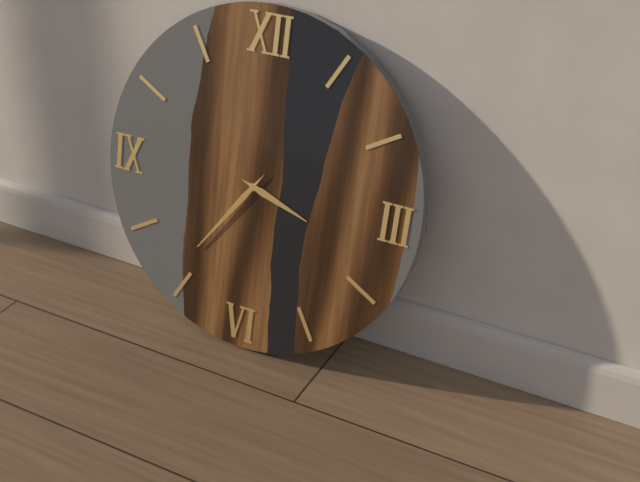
3h36
